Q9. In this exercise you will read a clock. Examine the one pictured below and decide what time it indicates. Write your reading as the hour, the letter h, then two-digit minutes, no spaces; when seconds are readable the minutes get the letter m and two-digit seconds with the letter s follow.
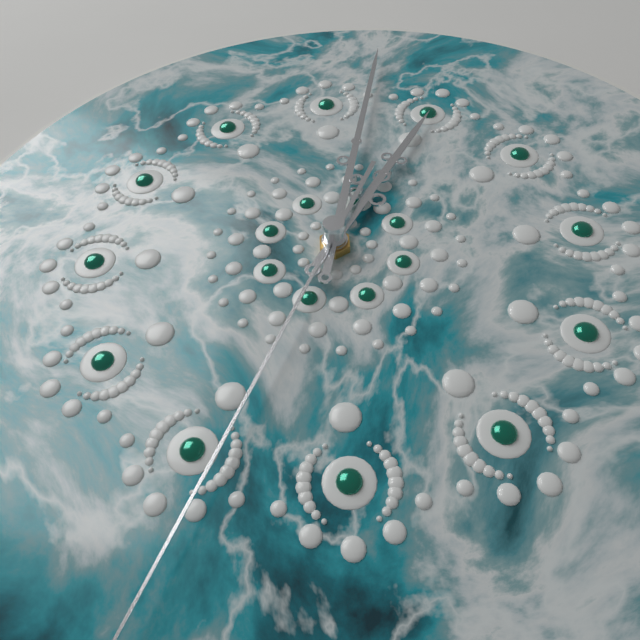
1h02
